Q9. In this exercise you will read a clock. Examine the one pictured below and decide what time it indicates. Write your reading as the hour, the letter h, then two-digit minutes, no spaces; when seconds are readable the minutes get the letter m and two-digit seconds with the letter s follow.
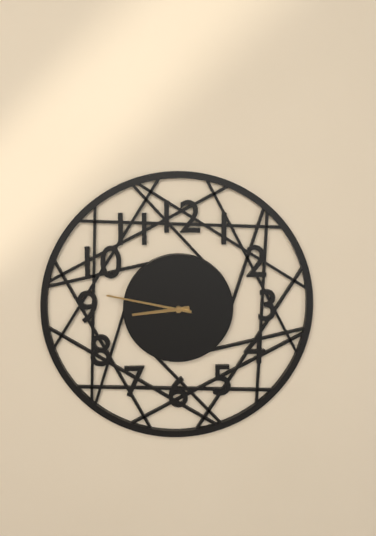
8h47
